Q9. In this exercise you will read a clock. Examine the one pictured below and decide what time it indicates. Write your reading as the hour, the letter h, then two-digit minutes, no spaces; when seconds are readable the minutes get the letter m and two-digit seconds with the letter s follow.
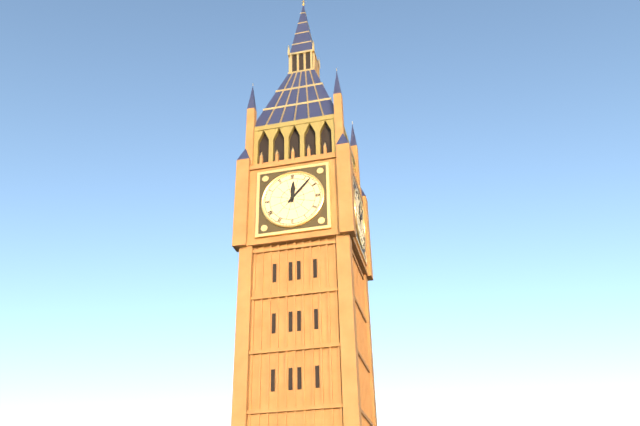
12h07
